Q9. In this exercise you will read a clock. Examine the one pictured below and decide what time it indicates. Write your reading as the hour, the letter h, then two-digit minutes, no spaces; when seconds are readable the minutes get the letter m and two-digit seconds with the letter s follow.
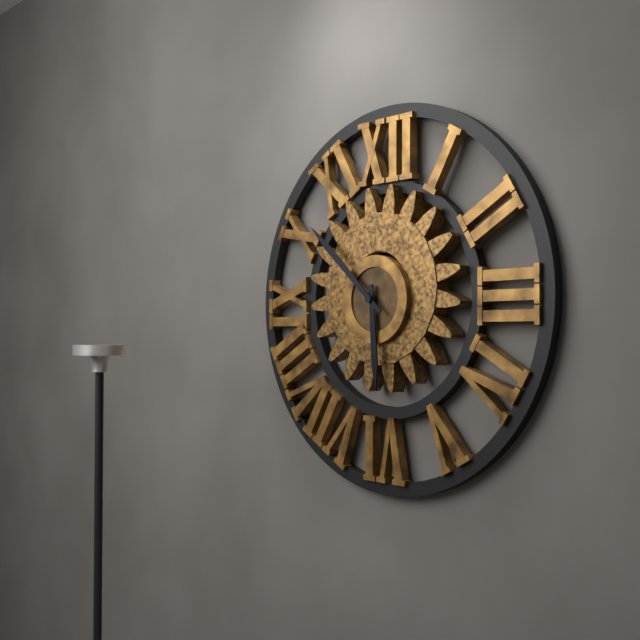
5h52
